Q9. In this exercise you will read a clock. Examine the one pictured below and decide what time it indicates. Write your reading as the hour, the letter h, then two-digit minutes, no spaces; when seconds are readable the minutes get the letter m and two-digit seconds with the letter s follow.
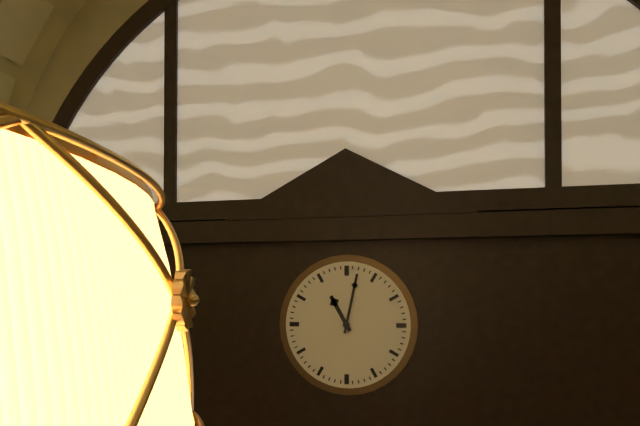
11h02
